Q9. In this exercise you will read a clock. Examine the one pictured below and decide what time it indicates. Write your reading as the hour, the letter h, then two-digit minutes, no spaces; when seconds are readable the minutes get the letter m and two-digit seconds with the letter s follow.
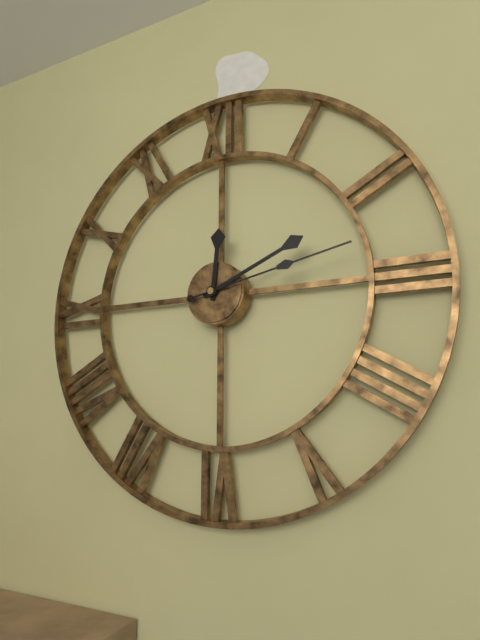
12h11m13s
